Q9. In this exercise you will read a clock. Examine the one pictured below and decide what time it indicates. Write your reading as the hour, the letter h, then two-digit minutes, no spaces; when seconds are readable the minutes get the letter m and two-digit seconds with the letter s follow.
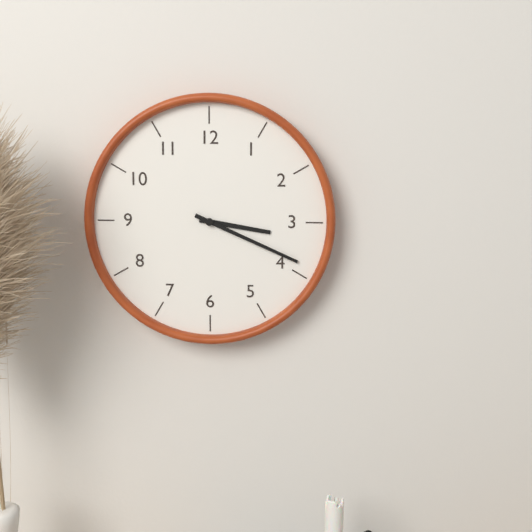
3h19
